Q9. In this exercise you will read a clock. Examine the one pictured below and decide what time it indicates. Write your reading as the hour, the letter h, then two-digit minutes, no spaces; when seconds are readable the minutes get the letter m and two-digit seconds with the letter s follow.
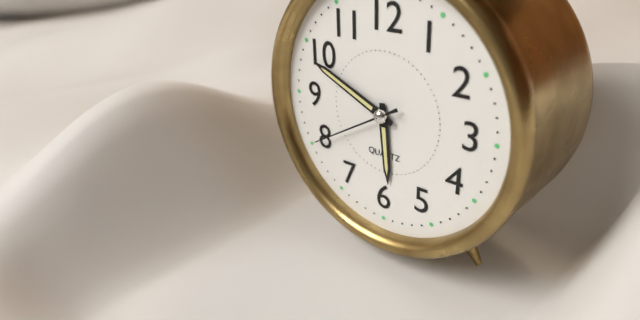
5h49m40s
